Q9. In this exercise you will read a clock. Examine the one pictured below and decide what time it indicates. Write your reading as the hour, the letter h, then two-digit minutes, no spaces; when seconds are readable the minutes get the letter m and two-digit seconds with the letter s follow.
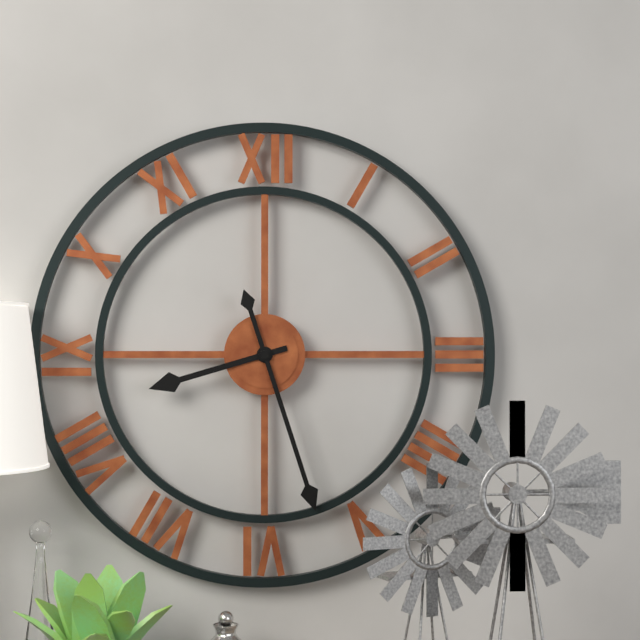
8h27
